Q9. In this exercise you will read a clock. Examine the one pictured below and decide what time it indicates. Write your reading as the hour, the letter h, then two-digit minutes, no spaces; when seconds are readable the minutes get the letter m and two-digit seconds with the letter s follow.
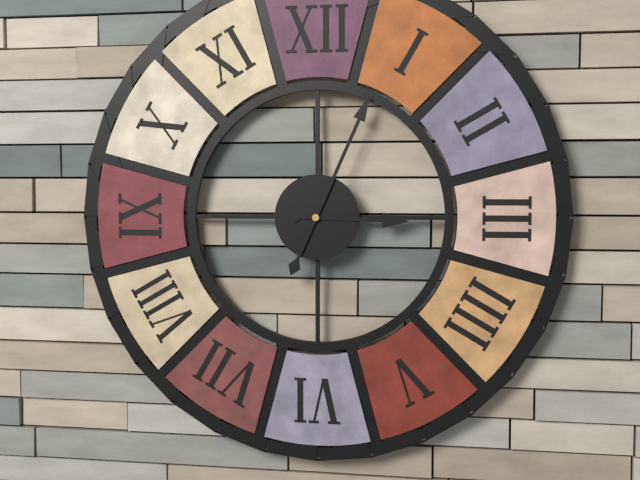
3h04
